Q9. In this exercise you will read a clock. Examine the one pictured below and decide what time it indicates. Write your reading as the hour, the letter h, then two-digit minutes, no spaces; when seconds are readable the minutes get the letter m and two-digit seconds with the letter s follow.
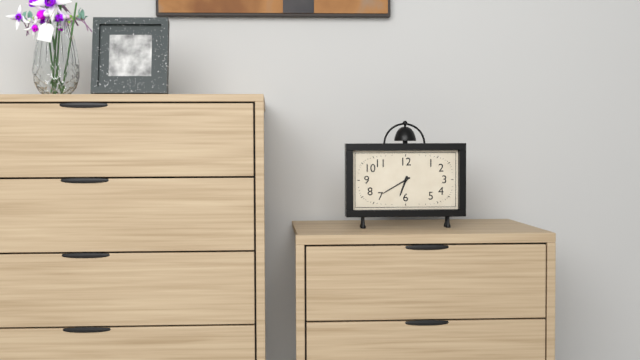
6h40
